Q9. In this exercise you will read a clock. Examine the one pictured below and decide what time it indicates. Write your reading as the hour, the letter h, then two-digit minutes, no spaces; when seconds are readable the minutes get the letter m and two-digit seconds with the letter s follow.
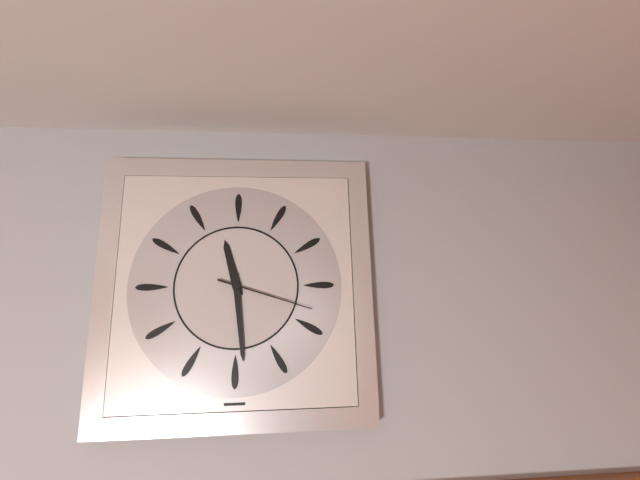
11h29m18s
